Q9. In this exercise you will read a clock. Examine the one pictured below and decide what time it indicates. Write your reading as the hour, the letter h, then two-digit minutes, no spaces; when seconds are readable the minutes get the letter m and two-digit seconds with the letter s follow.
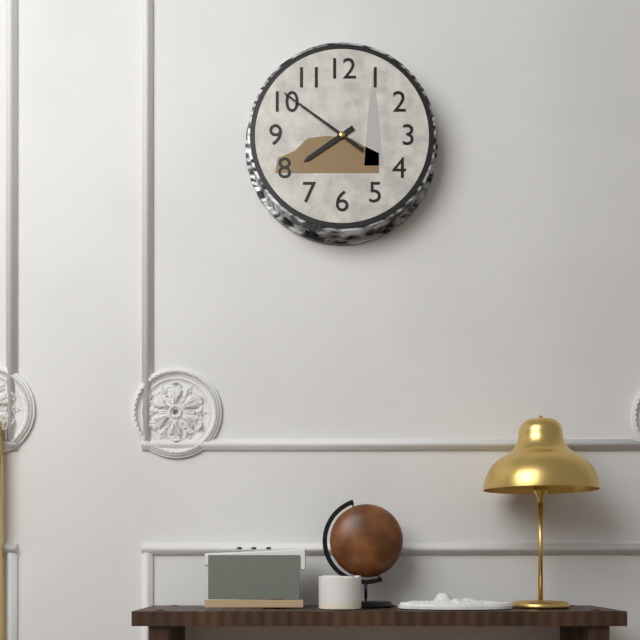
7h51
